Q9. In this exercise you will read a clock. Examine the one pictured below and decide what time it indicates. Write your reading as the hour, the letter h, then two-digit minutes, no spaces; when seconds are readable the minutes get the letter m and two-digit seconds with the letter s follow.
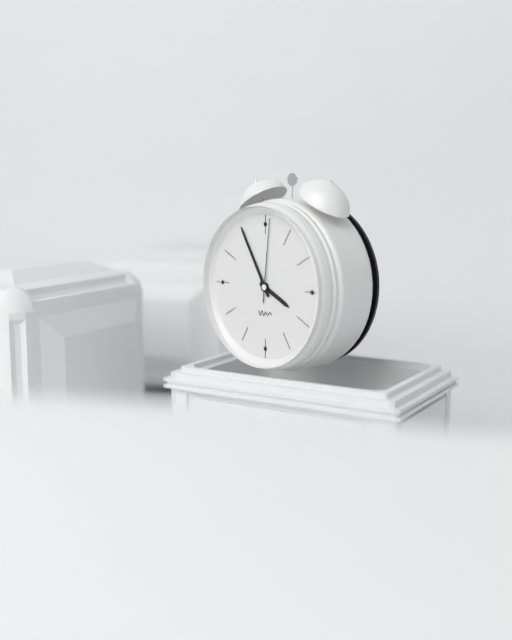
3h55m01s
